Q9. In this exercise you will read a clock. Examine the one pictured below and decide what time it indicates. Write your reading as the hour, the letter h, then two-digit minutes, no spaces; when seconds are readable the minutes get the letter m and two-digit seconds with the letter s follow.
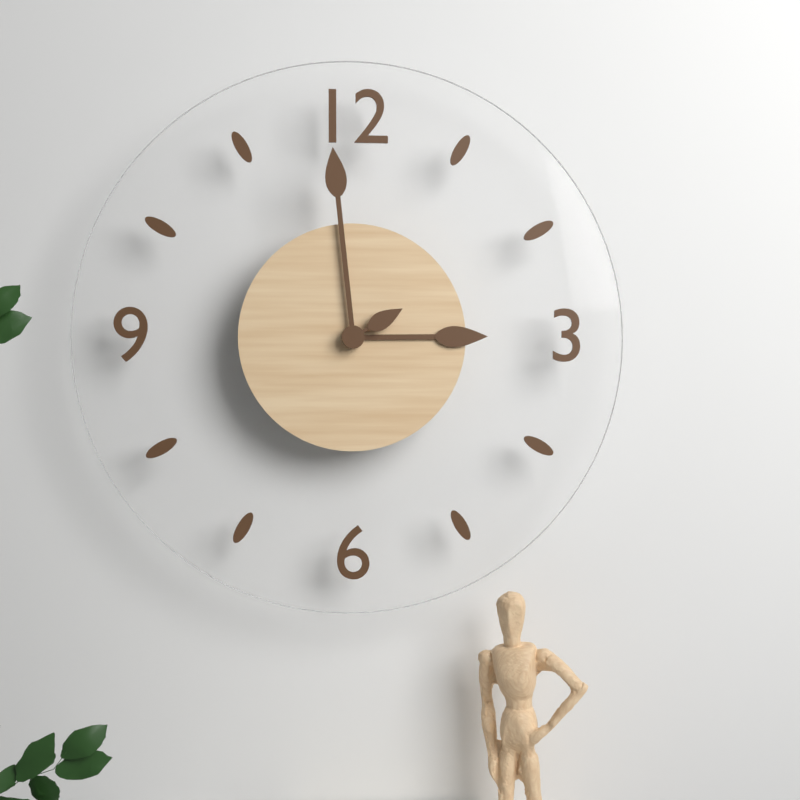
2h59m10s
